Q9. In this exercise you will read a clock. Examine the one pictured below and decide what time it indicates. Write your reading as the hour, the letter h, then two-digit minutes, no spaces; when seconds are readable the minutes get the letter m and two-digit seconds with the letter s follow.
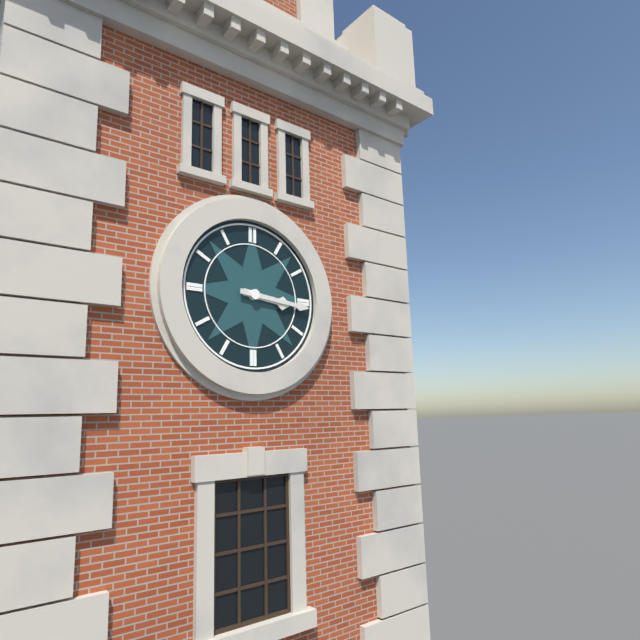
3h16
